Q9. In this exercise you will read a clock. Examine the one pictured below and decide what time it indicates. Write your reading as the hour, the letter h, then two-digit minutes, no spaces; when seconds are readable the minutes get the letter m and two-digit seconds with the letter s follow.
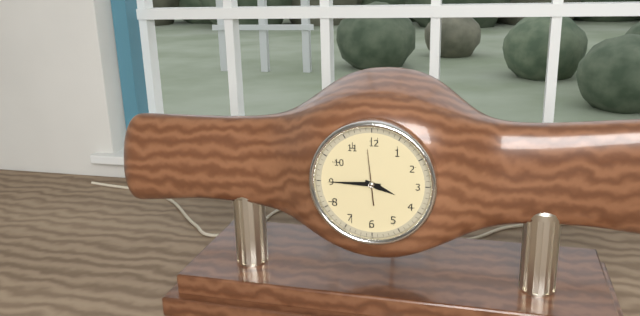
3h45
